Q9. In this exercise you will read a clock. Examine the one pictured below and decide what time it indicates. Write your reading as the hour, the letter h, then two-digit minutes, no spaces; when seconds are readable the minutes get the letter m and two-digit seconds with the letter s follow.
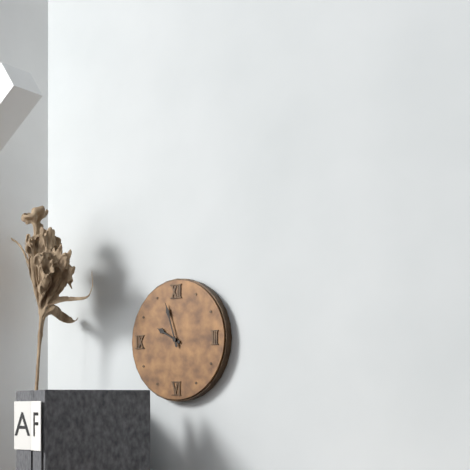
9h57
